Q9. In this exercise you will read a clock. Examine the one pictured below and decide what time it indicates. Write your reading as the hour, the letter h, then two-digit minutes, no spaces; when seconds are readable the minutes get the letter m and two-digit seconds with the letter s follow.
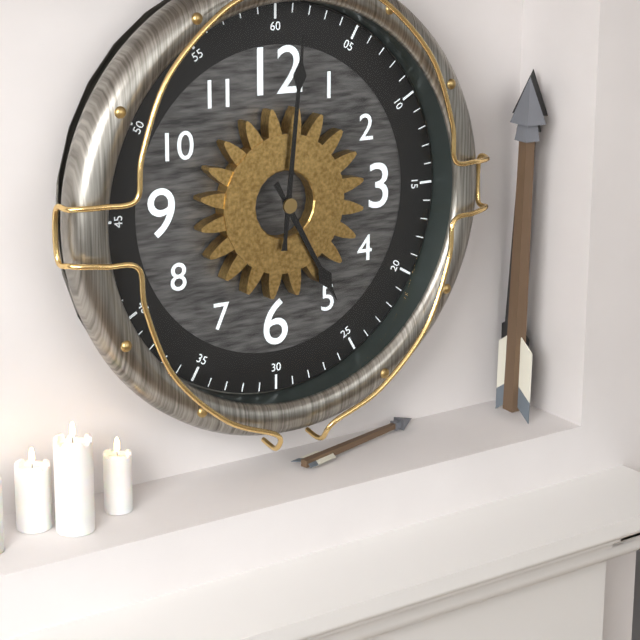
5h01
